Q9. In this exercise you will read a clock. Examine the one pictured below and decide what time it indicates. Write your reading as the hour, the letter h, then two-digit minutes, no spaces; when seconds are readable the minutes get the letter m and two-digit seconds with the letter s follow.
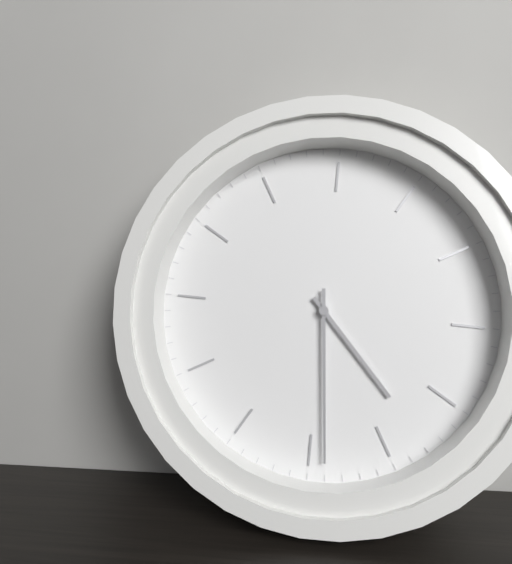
5h34
